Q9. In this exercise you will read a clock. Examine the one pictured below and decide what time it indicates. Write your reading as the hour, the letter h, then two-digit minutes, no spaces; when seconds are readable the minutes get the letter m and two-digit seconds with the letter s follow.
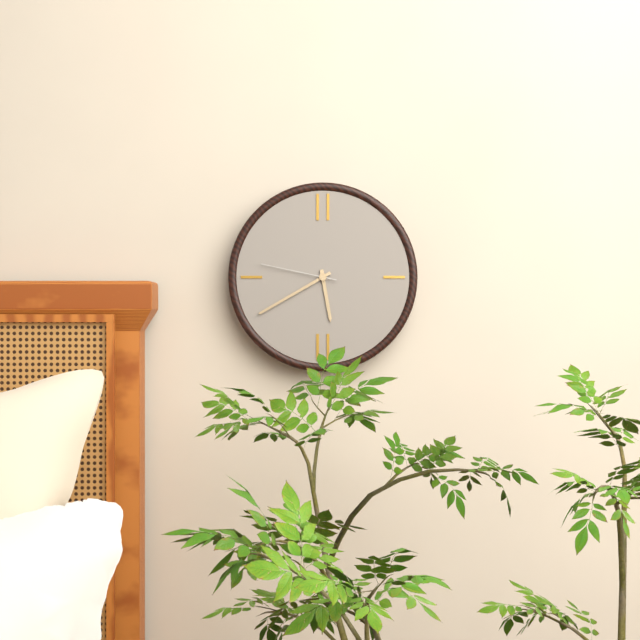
5h40m47s
